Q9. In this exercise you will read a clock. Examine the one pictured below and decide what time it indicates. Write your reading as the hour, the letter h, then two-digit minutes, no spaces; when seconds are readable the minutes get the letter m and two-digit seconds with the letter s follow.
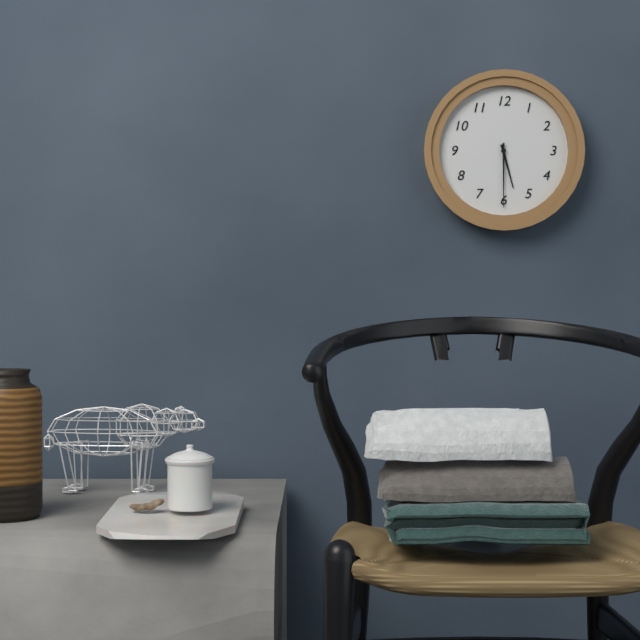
5h30
